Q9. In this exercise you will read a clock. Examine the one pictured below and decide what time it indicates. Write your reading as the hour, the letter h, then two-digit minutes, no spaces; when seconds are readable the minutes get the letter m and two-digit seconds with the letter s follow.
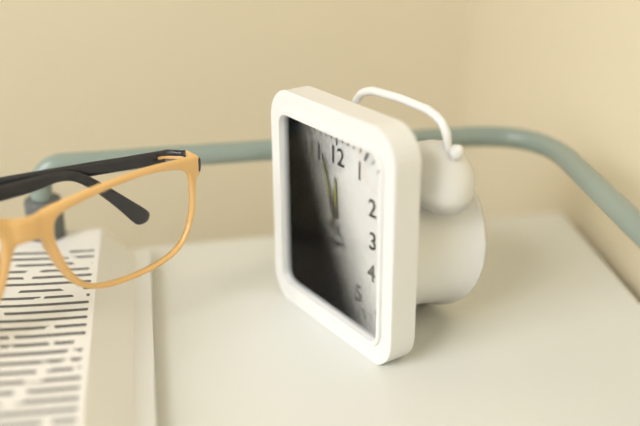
11h57m54s
